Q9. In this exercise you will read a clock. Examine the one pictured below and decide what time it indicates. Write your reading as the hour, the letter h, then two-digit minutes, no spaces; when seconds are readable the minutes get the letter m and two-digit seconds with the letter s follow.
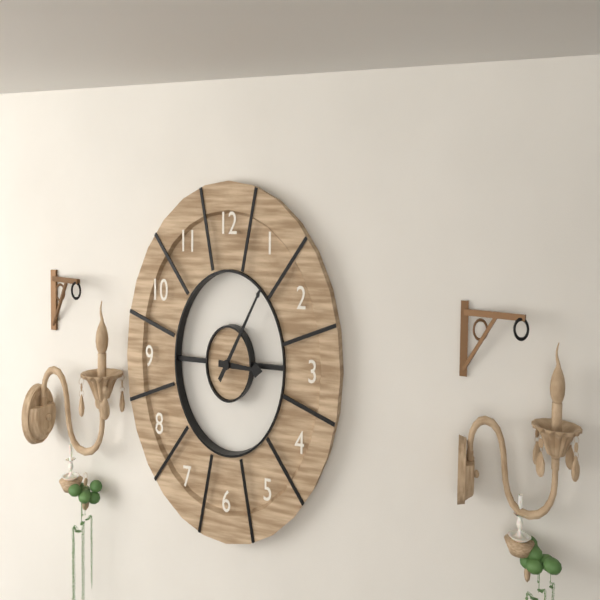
3h06
